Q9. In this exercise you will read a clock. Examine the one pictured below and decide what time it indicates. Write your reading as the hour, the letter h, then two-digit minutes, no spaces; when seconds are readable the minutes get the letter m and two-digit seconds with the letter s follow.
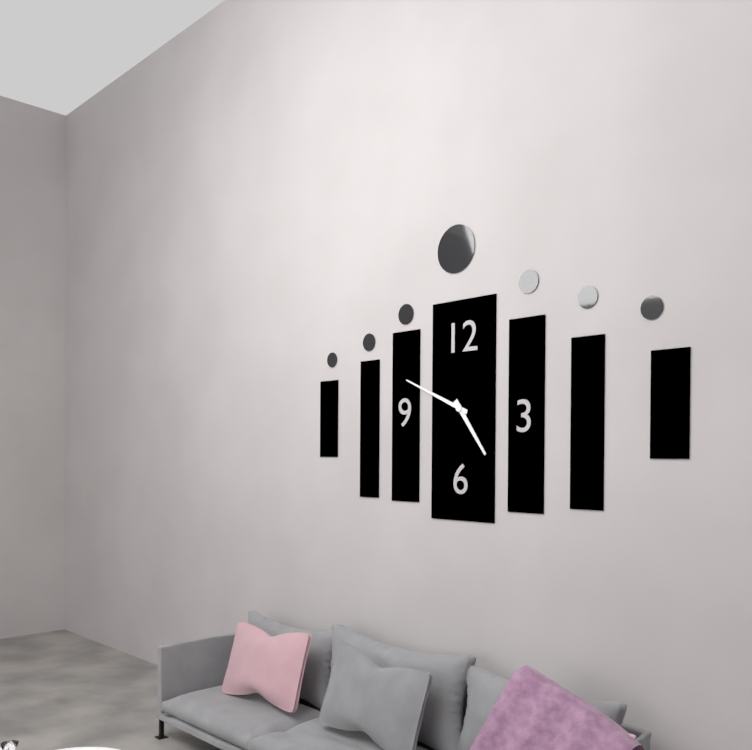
4h49
